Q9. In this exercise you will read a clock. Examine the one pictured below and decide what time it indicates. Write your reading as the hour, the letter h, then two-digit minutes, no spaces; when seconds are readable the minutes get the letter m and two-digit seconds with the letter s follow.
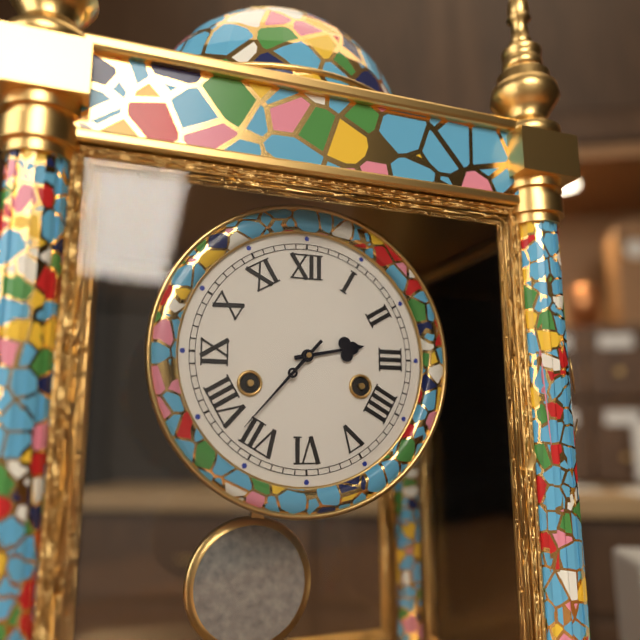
2h37
